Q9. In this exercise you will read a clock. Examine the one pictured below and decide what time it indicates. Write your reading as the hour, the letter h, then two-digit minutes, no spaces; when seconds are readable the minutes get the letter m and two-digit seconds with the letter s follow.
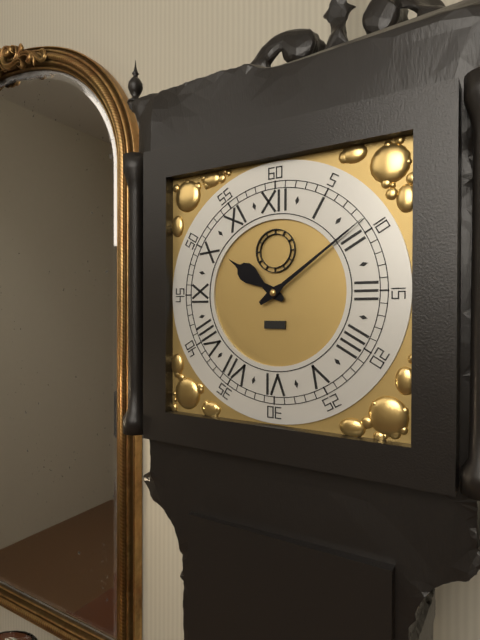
10h09
